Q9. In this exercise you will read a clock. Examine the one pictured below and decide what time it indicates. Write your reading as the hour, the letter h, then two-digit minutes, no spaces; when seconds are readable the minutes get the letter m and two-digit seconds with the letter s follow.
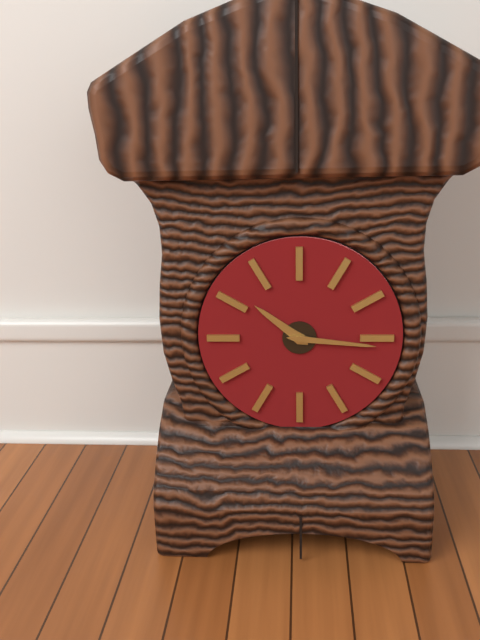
10h16
